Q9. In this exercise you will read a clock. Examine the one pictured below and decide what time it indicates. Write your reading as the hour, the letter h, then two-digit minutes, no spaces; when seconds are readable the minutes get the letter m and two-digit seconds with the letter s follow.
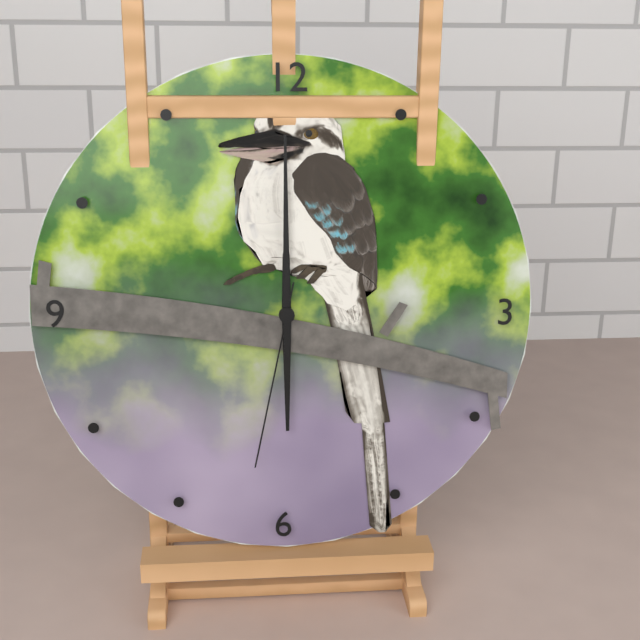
6h00m32s
